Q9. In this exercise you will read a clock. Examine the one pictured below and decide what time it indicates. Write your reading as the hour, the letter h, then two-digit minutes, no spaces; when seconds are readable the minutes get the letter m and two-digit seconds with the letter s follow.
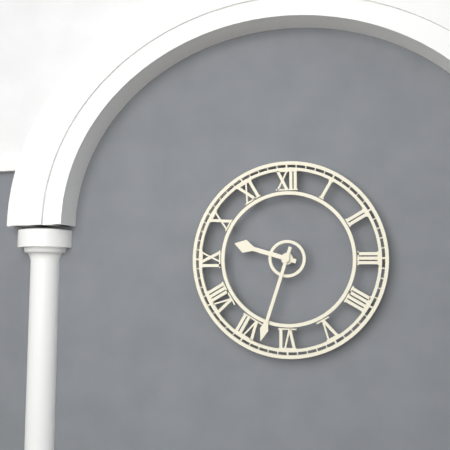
9h33
